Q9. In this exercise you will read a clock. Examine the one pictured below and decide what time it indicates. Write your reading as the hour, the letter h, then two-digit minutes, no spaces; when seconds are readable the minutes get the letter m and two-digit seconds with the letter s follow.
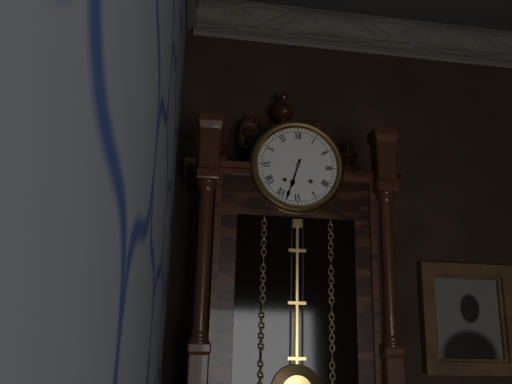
6h33
